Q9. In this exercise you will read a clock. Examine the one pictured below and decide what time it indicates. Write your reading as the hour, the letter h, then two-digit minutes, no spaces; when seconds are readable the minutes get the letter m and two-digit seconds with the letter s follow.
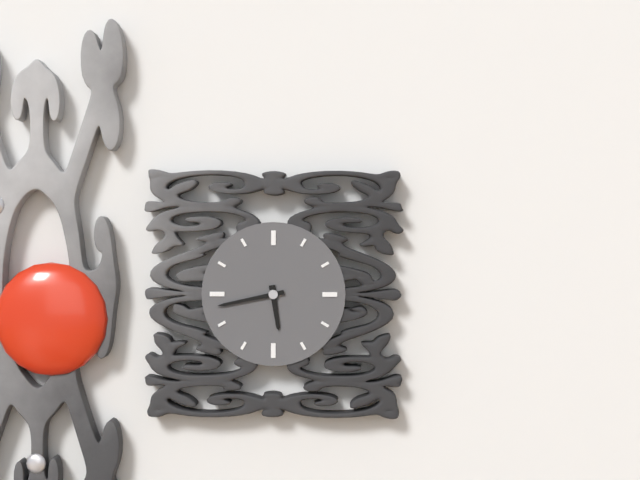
5h43
